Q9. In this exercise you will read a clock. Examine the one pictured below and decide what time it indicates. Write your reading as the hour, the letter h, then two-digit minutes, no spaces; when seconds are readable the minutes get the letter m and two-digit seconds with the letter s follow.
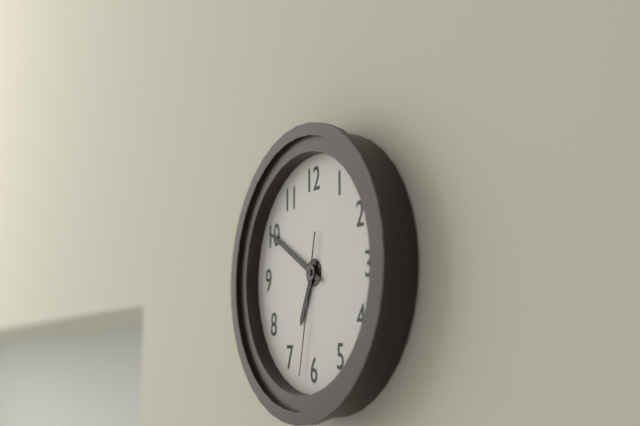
6h50m32s
